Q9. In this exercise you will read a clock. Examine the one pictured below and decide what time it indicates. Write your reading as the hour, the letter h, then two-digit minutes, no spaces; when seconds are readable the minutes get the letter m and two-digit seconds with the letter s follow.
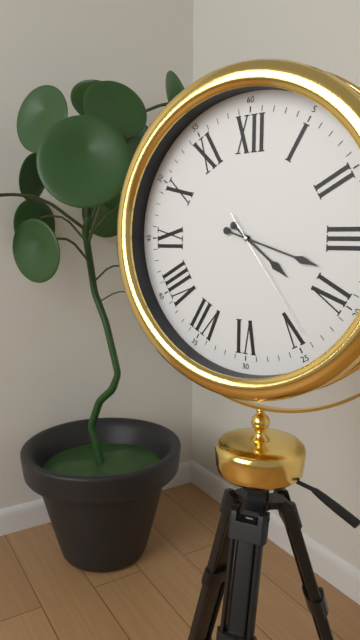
4h18m24s
